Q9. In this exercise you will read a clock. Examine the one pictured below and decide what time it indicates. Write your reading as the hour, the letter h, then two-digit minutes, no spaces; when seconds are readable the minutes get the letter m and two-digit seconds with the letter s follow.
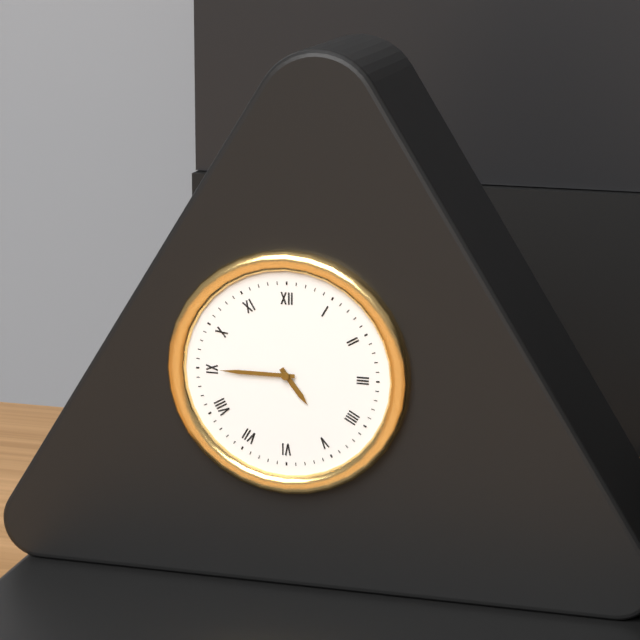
4h45
